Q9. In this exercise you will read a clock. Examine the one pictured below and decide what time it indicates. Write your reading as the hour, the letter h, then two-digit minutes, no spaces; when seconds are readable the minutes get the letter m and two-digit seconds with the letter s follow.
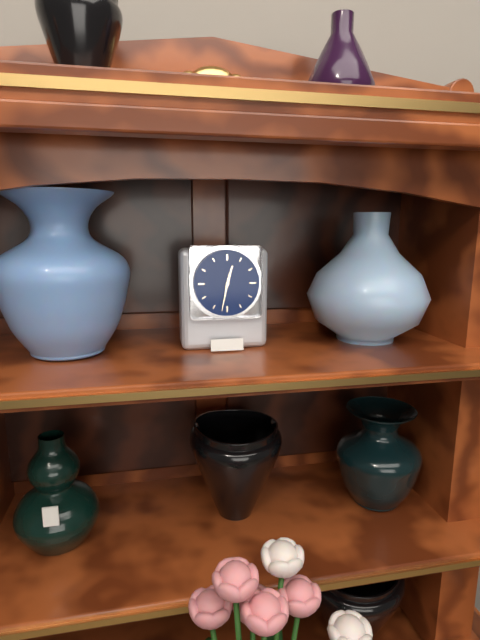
12h32
